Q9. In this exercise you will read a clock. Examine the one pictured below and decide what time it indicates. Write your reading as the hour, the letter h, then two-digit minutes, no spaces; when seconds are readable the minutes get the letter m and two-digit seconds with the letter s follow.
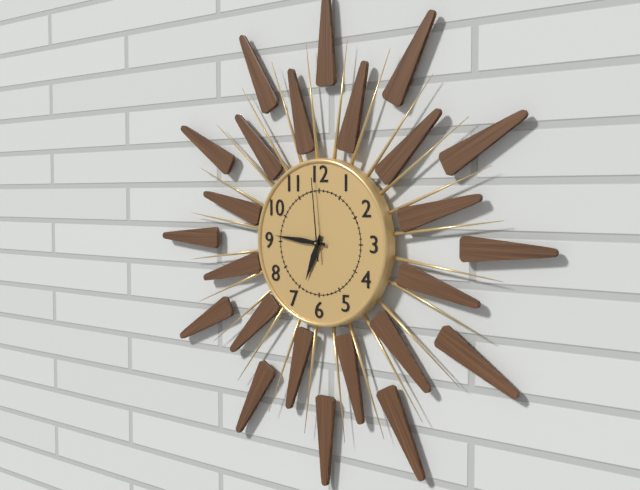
6h46m59s
